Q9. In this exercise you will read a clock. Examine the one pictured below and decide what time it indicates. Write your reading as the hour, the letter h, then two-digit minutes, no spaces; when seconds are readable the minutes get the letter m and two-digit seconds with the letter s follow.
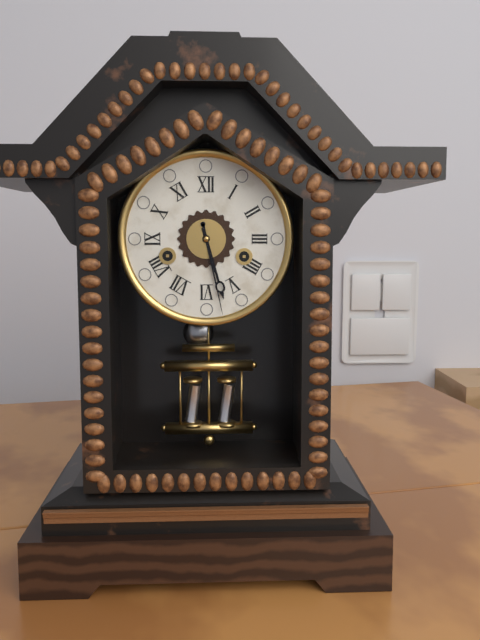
5h28
